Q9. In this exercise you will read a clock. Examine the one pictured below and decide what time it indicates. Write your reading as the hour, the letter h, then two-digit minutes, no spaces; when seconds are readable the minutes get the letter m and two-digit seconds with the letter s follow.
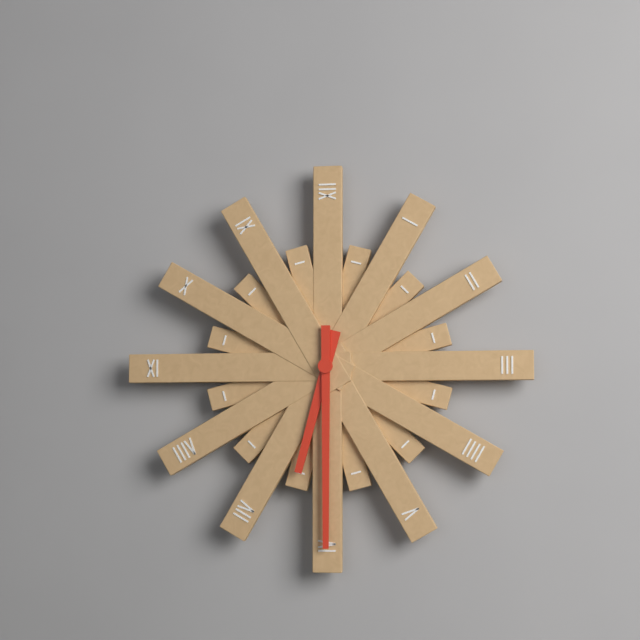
6h30
